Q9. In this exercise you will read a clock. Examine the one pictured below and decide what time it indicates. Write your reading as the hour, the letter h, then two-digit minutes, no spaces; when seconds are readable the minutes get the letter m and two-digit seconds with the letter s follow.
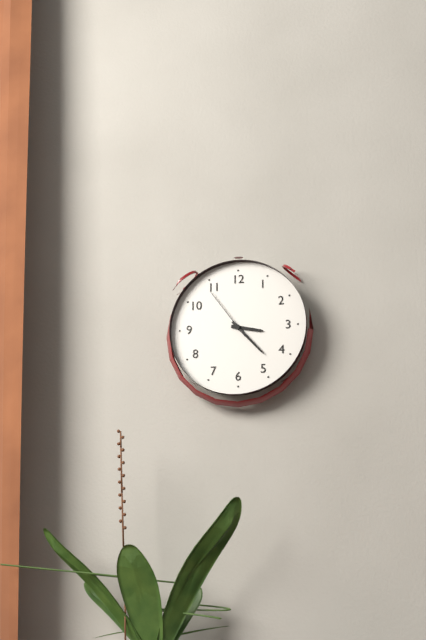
3h23m54s
